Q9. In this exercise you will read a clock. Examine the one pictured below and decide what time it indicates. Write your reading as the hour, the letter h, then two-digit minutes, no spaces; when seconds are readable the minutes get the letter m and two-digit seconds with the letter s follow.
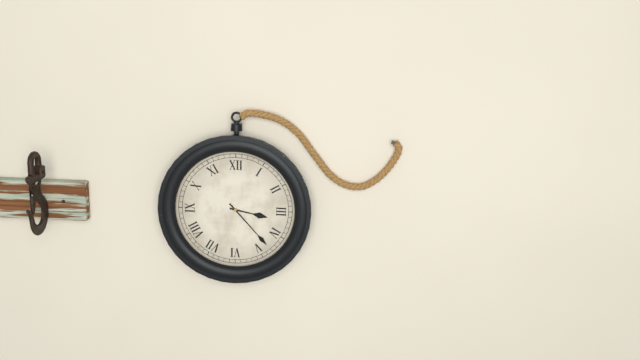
3h23
